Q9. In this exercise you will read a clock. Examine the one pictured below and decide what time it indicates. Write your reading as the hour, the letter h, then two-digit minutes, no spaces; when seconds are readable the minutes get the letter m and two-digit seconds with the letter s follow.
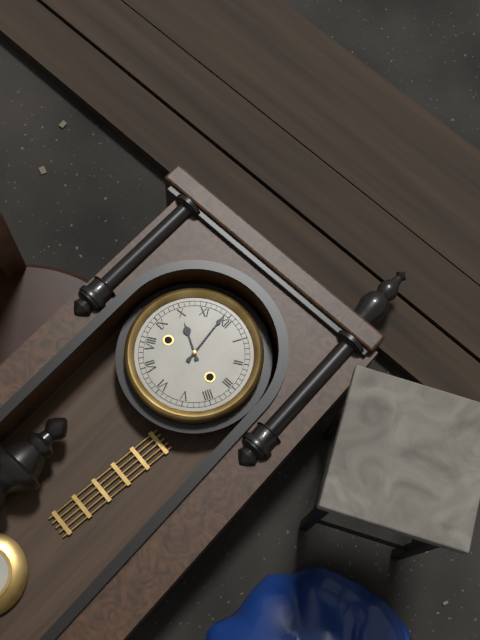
9h59
